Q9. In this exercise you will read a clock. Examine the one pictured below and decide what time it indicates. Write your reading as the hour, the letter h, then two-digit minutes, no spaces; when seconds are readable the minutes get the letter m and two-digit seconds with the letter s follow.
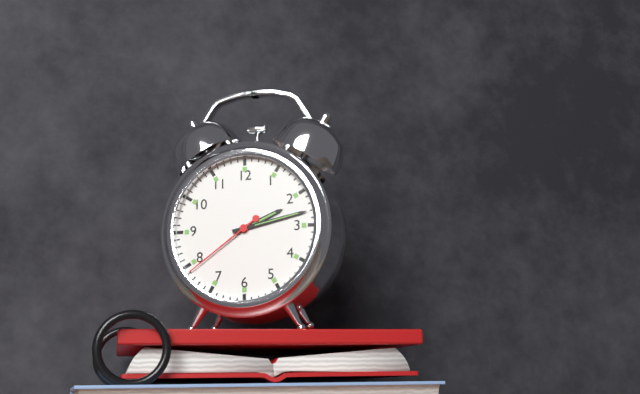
2h13m39s
